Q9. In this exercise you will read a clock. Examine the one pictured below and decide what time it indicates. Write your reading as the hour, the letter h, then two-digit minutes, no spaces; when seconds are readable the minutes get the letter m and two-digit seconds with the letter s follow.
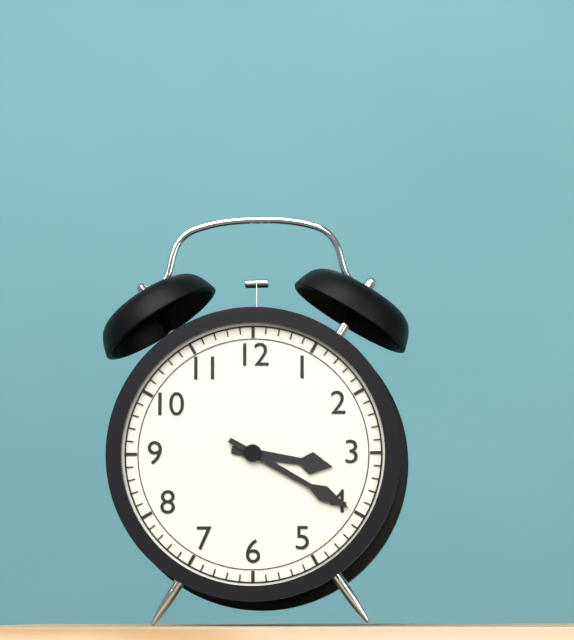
3h20
